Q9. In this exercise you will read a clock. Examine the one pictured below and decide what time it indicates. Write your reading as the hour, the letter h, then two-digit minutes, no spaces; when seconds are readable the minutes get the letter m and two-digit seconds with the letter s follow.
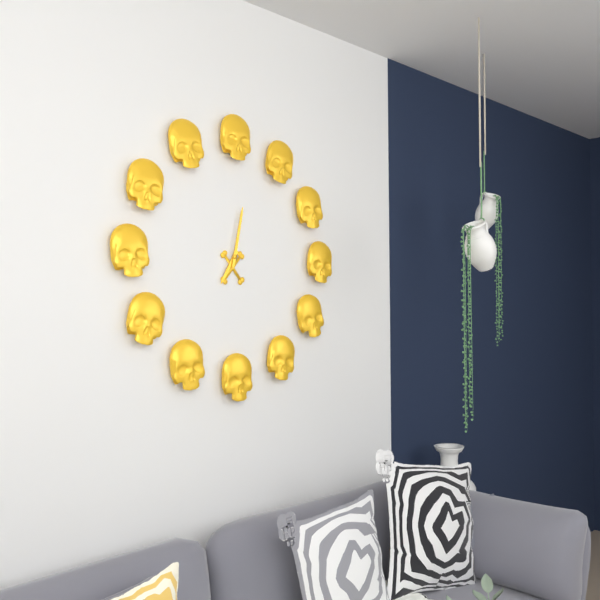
7h02
